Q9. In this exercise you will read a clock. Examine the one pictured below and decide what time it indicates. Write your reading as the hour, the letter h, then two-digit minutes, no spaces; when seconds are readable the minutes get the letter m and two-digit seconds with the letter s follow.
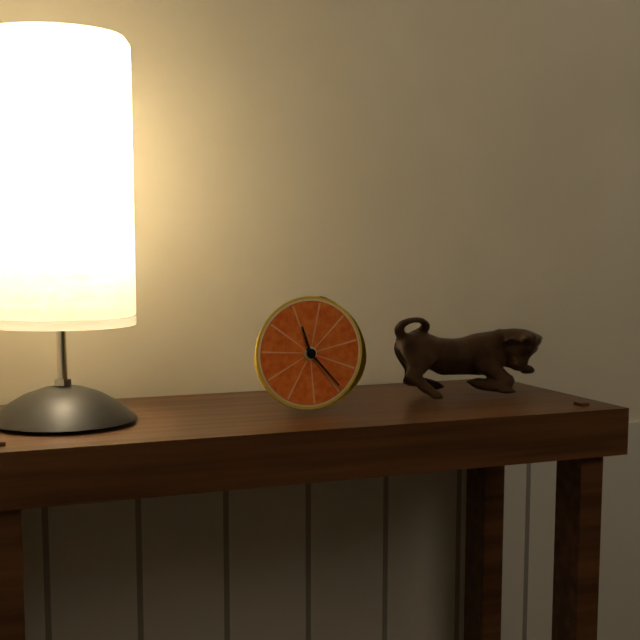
11h23
